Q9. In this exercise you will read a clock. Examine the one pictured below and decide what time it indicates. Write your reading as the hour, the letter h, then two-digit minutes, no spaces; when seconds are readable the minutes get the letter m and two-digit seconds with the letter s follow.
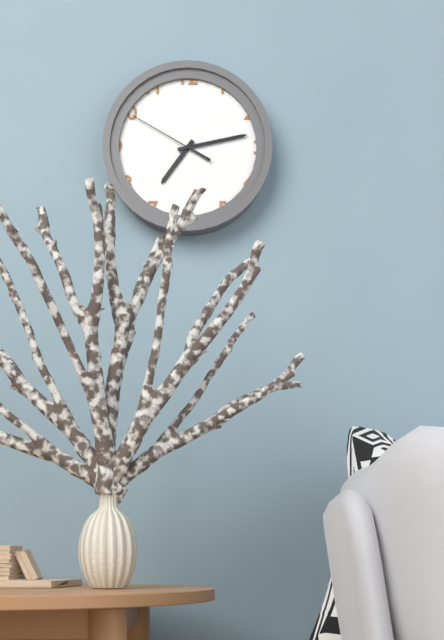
7h13m50s
